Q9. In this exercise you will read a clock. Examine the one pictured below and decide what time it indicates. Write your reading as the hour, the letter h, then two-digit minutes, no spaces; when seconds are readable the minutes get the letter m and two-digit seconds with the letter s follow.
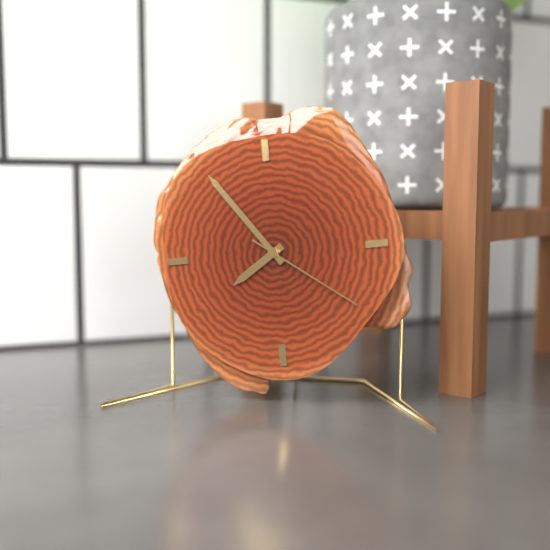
7h54m21s
